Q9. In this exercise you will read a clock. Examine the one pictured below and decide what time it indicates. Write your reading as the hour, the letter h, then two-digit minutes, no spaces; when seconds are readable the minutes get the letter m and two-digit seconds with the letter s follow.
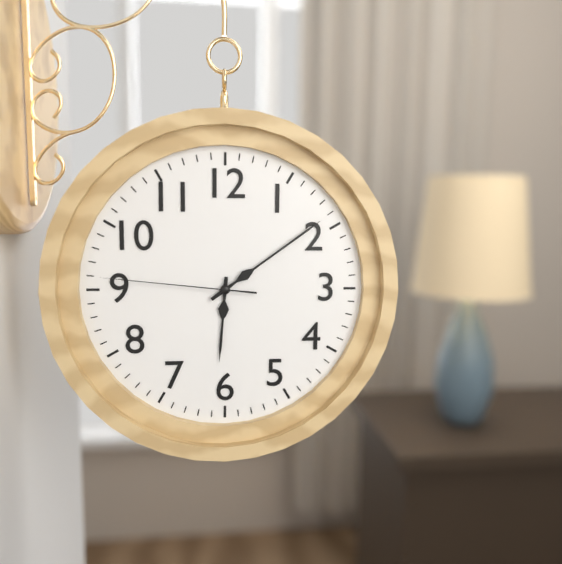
6h09m46s
